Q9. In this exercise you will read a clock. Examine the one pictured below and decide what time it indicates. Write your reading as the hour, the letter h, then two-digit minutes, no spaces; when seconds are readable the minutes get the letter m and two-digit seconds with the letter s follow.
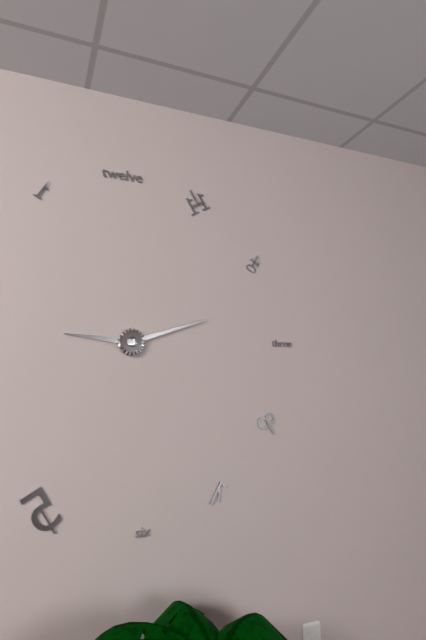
9h12
